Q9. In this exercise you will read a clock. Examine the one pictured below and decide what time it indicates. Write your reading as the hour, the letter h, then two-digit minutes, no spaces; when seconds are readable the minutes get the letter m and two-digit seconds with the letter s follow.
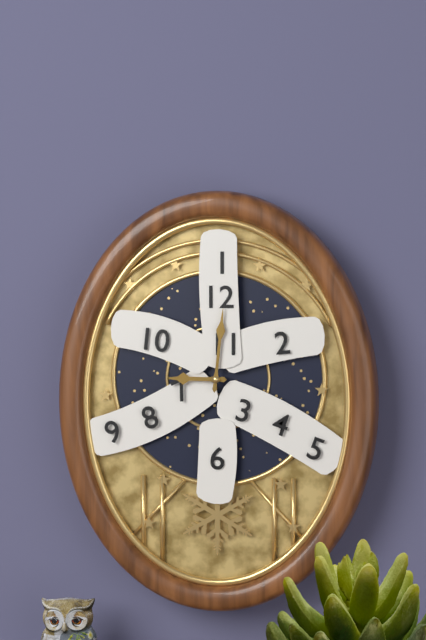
9h01
